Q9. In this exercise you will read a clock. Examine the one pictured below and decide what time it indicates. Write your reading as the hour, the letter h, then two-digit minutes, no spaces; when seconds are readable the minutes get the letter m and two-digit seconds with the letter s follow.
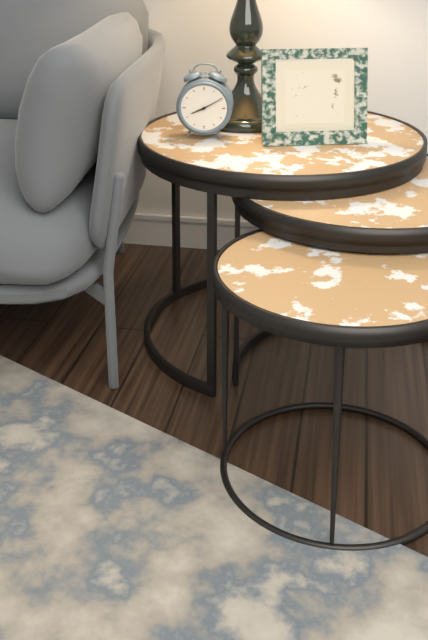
8h10
